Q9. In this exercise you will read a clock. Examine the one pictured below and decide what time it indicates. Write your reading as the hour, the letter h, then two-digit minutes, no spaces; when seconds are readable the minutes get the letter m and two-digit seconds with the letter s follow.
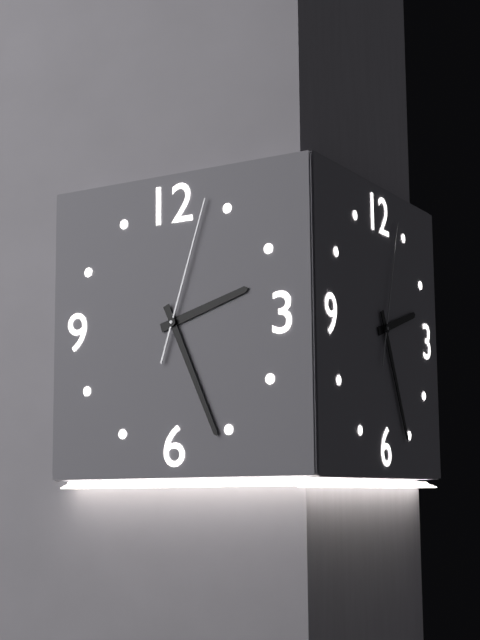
2h26m03s
